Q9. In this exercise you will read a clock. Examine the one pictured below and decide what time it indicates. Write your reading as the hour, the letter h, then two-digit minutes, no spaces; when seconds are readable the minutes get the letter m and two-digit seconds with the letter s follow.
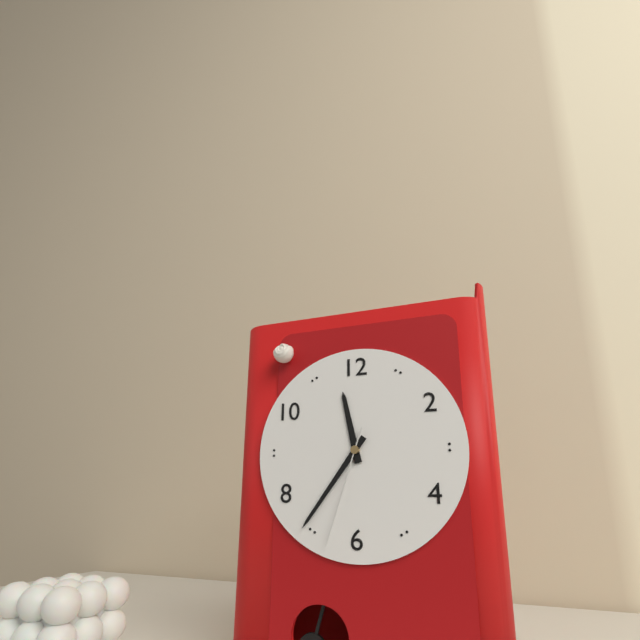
11h36m33s
